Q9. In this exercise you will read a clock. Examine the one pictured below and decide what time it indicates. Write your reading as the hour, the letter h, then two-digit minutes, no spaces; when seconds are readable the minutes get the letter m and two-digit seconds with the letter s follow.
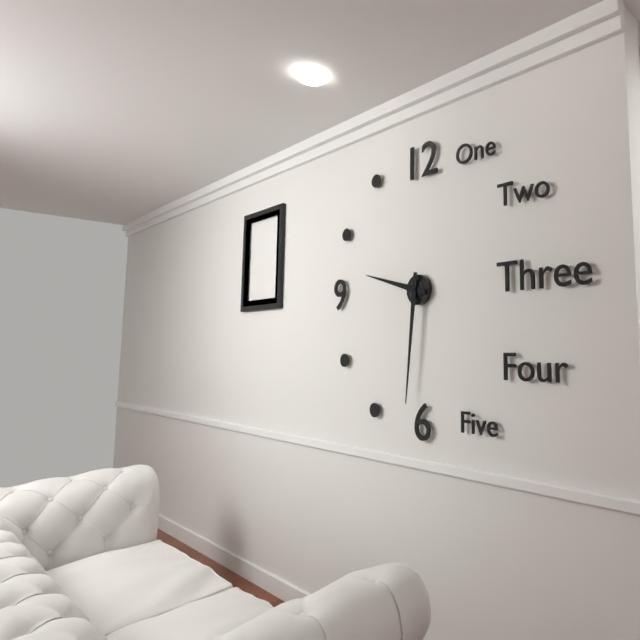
9h31
